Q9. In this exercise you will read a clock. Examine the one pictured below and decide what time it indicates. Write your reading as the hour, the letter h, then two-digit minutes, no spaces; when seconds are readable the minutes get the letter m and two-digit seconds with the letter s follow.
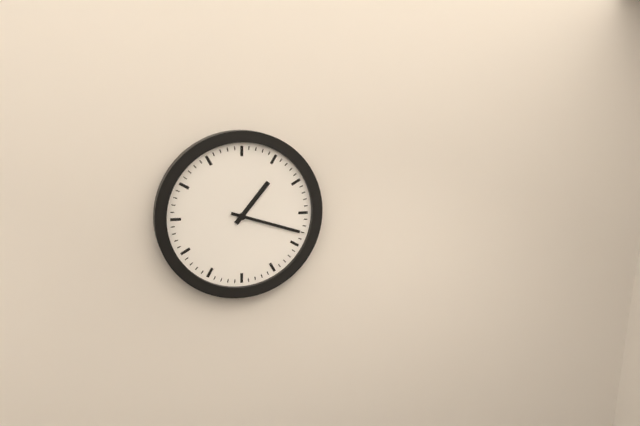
1h18
